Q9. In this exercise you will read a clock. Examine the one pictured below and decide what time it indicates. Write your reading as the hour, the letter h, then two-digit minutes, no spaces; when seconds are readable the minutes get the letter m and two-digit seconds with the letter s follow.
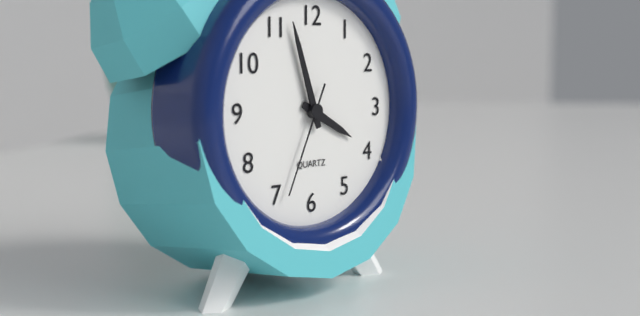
3h57m34s
